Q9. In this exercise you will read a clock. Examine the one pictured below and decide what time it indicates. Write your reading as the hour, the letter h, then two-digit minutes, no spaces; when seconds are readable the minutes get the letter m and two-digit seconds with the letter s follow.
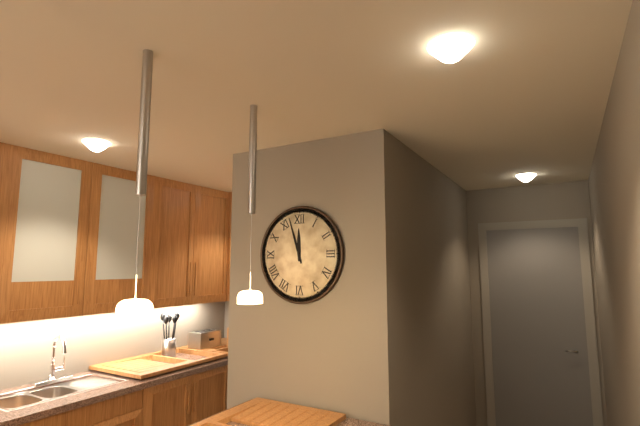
11h57
